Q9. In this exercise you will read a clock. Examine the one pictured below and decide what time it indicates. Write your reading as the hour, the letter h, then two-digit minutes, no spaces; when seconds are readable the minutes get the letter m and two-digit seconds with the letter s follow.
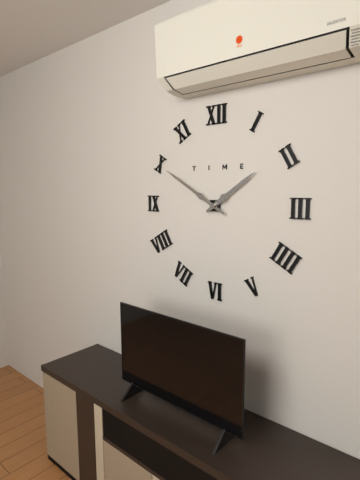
1h50
